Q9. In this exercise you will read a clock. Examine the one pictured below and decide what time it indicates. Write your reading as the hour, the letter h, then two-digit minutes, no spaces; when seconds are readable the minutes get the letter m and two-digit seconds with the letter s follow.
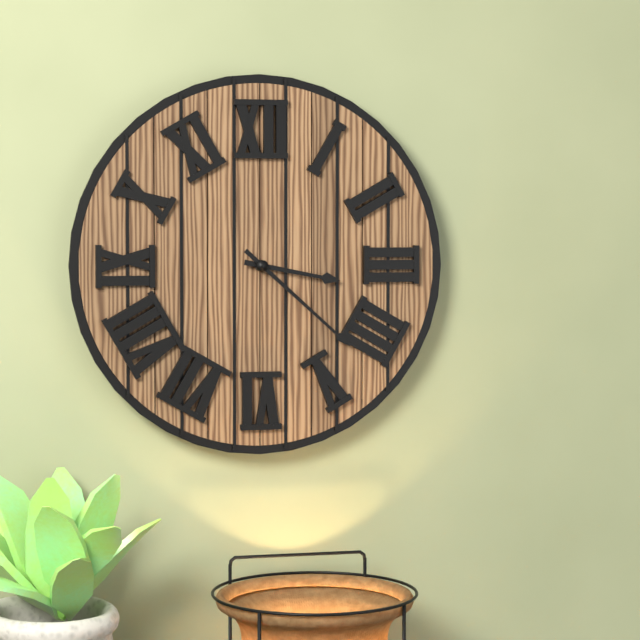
3h22
